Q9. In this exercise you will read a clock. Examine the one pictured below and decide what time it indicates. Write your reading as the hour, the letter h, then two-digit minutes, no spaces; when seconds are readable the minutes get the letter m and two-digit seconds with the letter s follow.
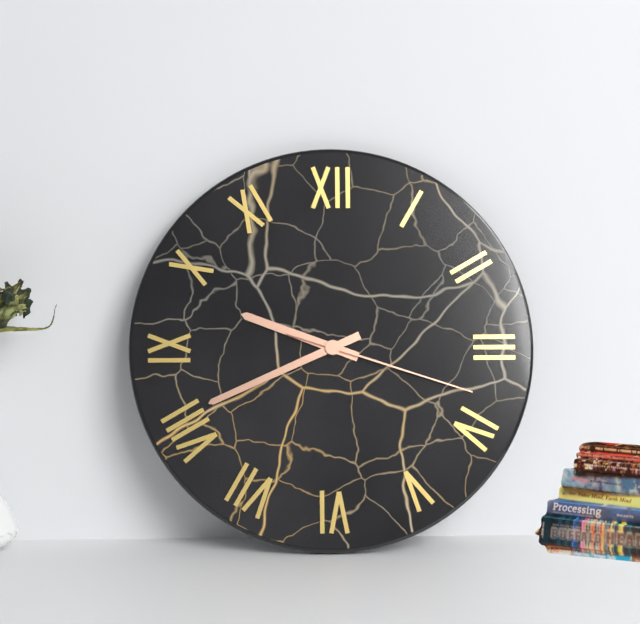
9h41m18s
